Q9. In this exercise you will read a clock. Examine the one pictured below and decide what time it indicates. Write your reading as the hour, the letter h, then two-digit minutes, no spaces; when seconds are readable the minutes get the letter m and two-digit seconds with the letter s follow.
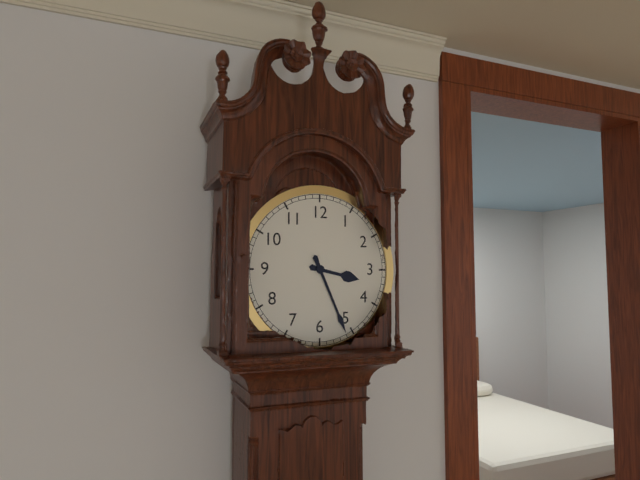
3h26
